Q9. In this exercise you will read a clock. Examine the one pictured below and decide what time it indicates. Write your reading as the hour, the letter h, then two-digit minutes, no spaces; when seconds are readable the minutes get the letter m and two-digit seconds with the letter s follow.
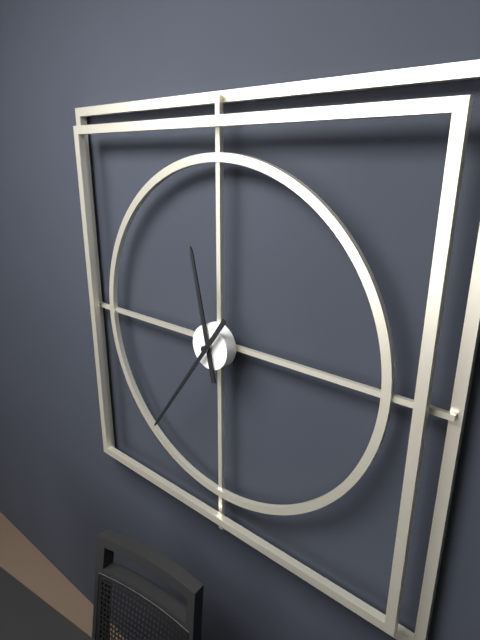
11h36
